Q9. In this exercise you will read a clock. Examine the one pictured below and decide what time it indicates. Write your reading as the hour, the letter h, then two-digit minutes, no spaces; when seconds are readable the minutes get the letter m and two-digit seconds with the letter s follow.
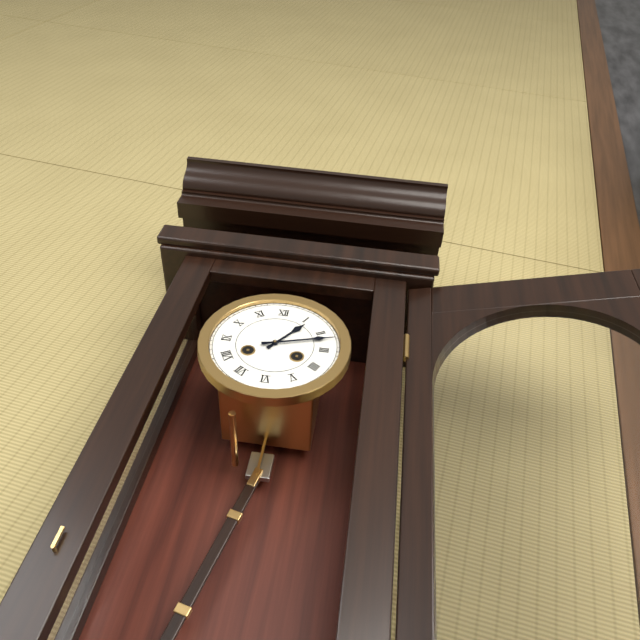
1h12
